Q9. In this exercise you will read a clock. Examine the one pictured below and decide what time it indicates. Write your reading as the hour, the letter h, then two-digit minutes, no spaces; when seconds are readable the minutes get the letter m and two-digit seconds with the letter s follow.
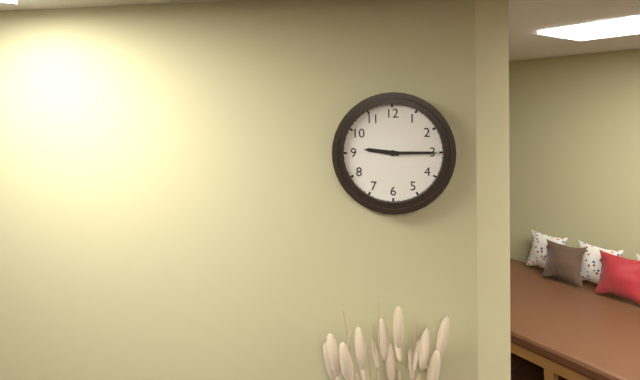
9h15
